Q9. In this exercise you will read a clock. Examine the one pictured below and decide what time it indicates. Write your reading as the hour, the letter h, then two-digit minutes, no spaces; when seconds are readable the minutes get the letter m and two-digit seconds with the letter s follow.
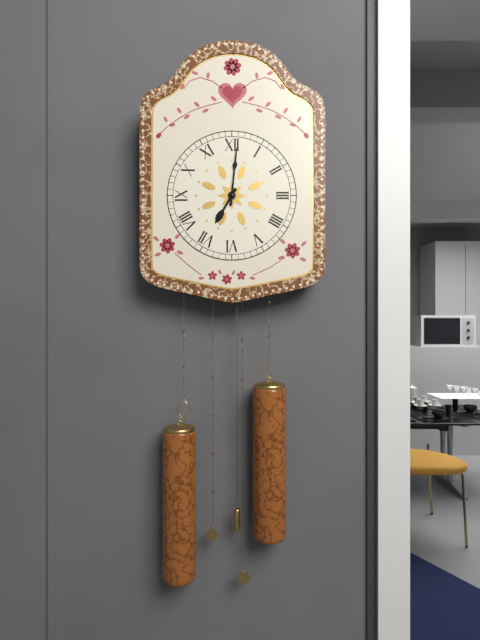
7h01
